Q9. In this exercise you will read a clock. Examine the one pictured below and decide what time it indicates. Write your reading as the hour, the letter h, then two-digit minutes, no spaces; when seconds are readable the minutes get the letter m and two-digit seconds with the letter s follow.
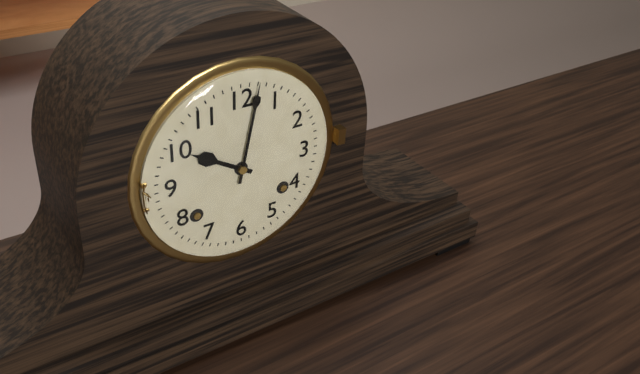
10h02
